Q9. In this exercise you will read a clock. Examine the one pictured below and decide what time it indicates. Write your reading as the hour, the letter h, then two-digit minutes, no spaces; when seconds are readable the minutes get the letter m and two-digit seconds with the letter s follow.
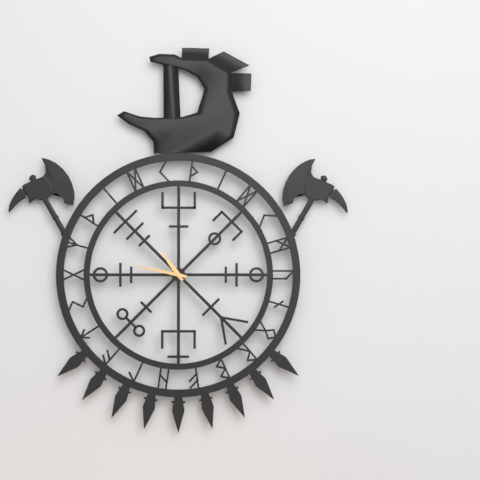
10h47
